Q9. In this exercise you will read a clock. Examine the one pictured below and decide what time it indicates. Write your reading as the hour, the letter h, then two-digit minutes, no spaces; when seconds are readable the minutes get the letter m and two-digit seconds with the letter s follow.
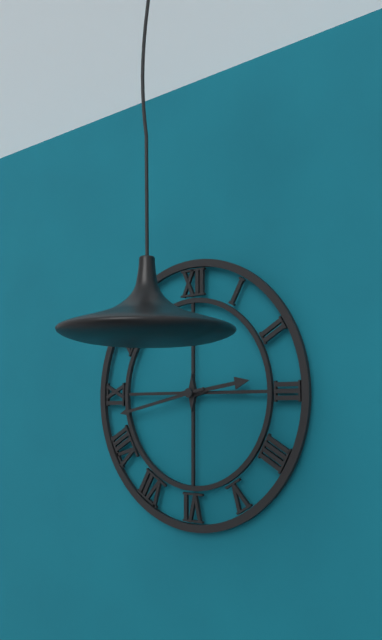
2h43
